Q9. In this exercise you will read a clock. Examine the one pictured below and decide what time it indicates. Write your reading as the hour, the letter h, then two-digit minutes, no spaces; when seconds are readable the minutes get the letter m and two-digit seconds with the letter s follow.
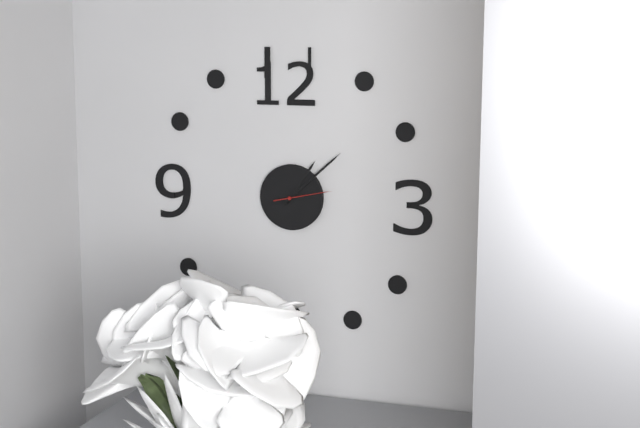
1h08m13s
